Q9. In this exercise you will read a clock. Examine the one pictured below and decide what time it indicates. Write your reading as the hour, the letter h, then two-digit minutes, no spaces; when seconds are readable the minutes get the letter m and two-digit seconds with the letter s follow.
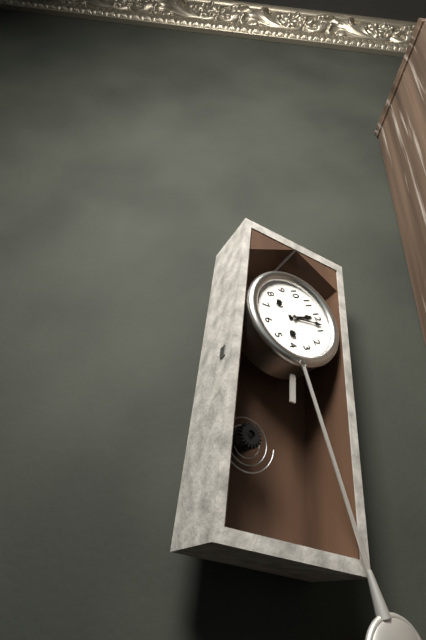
12h03
